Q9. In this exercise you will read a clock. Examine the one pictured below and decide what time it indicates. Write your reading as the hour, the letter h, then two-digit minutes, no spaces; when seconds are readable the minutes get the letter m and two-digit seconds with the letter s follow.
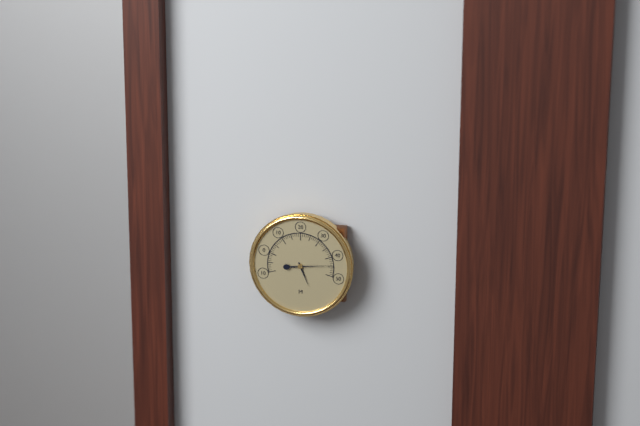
5h14
